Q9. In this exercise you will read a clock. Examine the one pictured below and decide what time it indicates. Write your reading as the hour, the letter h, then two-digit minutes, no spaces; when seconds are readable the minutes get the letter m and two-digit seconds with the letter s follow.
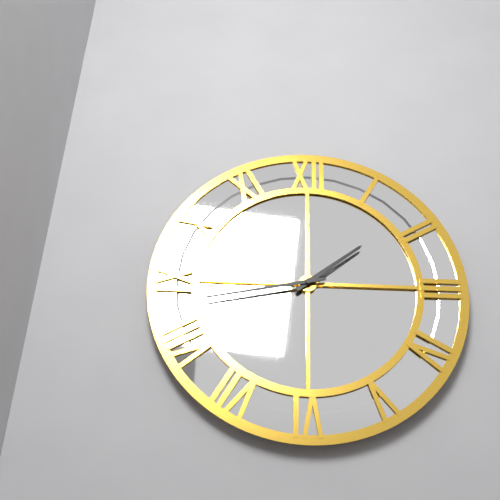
1h43
